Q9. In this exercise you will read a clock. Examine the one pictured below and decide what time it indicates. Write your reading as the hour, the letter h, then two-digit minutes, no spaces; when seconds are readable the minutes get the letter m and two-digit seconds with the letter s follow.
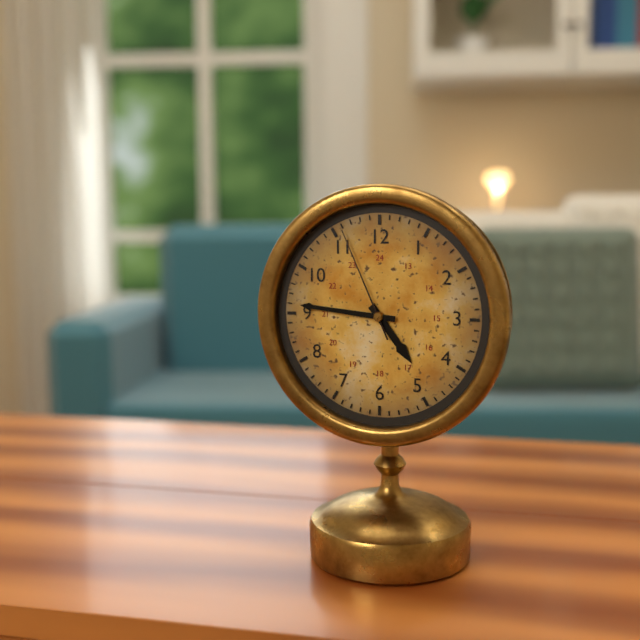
4h46m56s
